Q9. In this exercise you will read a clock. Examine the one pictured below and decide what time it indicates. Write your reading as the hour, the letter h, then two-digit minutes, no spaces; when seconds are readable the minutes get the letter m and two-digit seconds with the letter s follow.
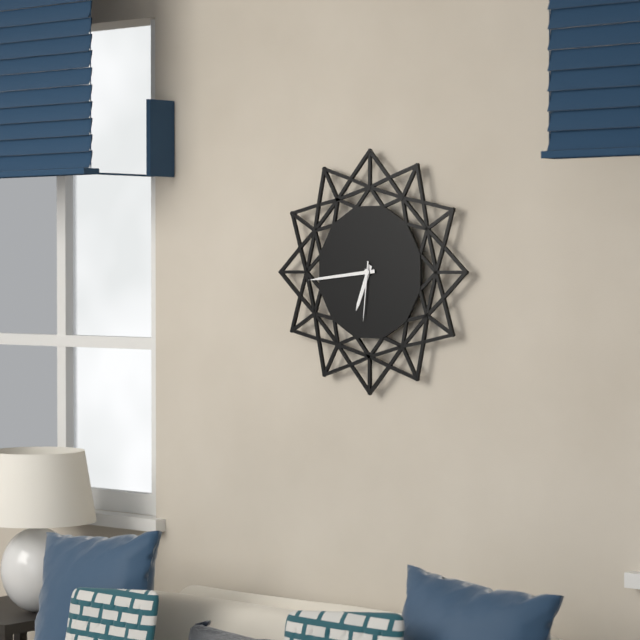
6h44m31s
